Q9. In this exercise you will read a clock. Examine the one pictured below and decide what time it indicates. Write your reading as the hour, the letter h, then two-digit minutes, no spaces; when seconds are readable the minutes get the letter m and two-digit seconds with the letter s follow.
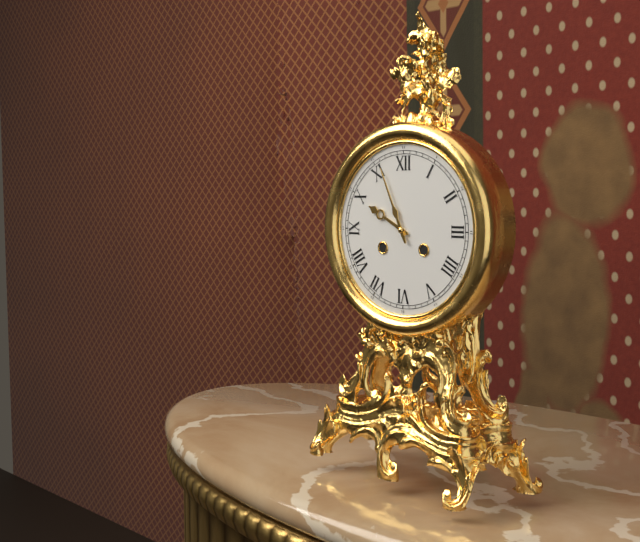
9h56
